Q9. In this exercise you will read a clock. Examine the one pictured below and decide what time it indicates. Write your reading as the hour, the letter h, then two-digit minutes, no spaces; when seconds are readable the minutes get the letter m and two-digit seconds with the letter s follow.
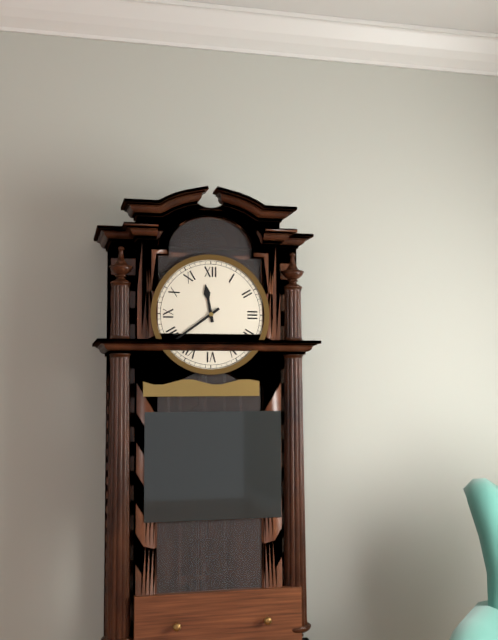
11h39
